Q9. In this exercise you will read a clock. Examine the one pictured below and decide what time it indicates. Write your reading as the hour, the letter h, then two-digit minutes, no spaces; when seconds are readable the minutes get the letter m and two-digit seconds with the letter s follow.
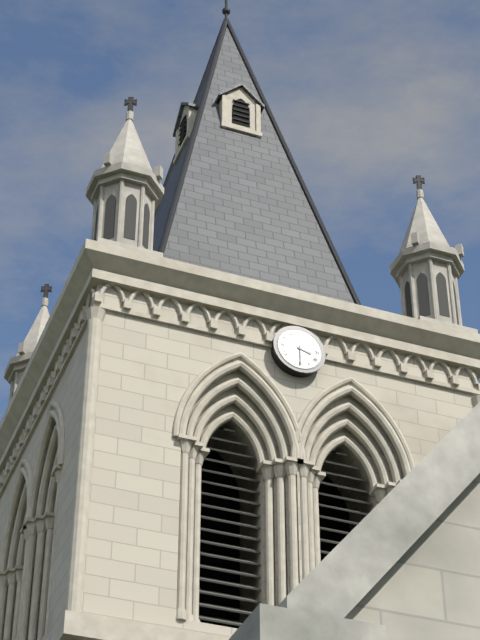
3h30
